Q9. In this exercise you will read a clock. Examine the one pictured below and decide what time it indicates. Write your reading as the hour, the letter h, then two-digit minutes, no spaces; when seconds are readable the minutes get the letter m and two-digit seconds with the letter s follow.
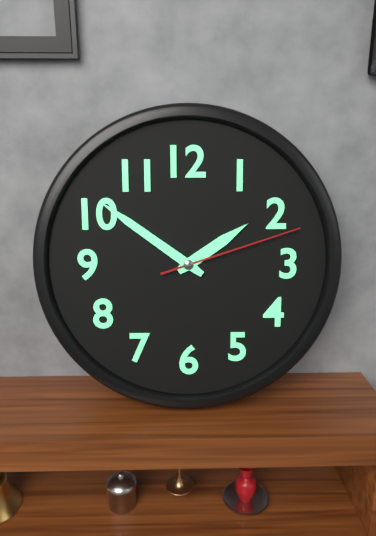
1h51m12s
